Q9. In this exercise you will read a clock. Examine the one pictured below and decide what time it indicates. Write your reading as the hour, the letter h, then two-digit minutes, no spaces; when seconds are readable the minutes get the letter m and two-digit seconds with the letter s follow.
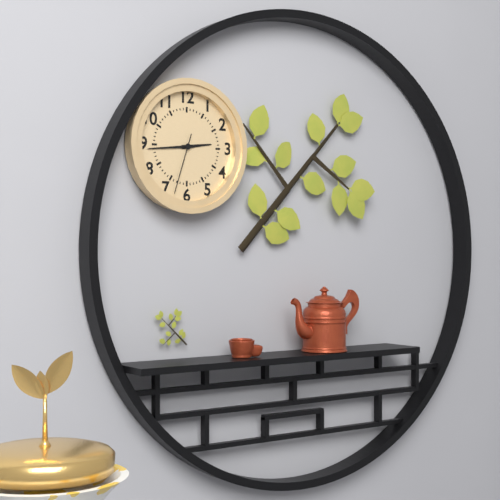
2h44m33s
